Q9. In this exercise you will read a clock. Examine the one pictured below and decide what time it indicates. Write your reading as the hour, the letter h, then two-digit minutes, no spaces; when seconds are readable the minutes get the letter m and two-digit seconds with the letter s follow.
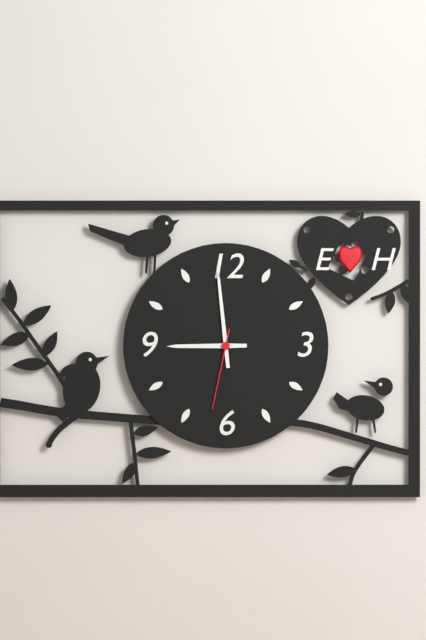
8h59m32s
